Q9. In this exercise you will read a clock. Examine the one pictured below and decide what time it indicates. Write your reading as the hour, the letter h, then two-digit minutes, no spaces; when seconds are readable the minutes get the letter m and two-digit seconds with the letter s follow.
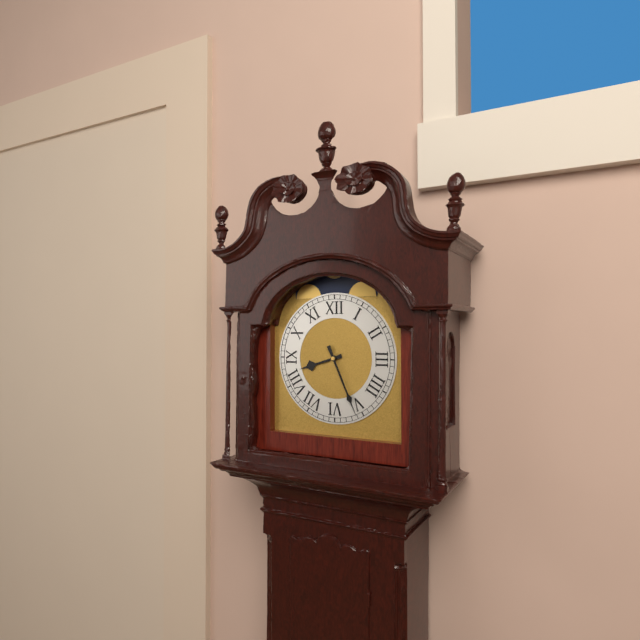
8h26
